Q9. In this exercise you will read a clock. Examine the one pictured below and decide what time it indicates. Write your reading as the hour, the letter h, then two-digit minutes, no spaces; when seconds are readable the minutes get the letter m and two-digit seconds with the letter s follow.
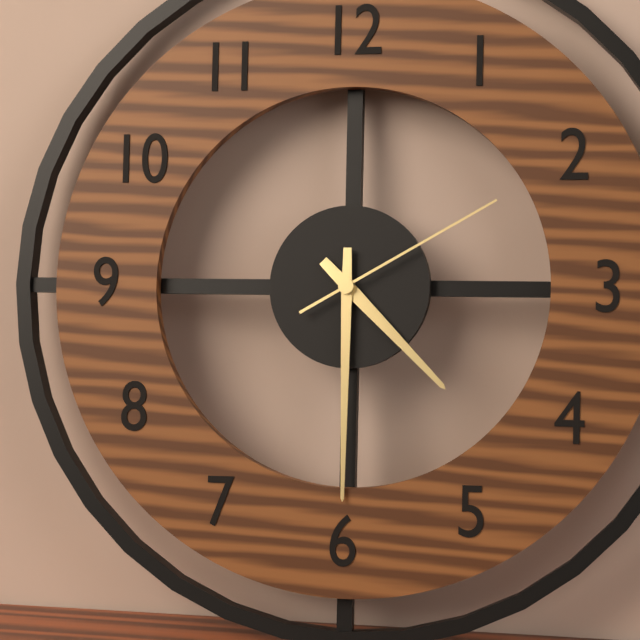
4h30m10s
